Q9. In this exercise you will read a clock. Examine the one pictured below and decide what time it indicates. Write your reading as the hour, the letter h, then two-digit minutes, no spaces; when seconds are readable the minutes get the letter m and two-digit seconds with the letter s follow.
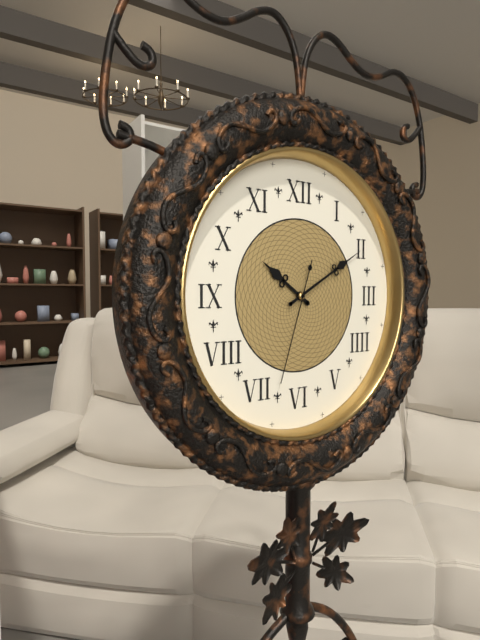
10h10m33s
